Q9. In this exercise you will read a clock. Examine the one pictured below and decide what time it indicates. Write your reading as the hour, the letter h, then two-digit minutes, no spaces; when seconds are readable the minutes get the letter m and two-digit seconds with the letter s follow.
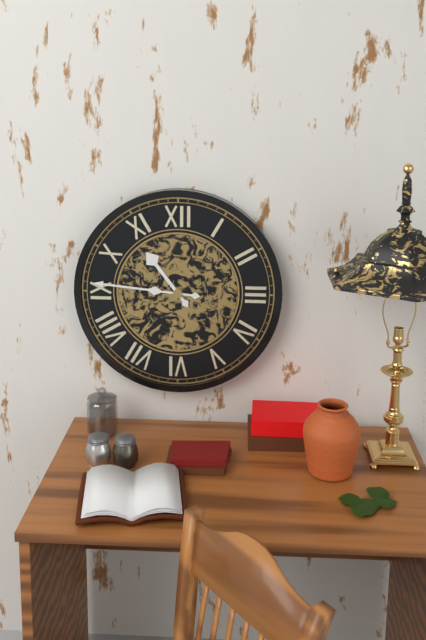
10h46
